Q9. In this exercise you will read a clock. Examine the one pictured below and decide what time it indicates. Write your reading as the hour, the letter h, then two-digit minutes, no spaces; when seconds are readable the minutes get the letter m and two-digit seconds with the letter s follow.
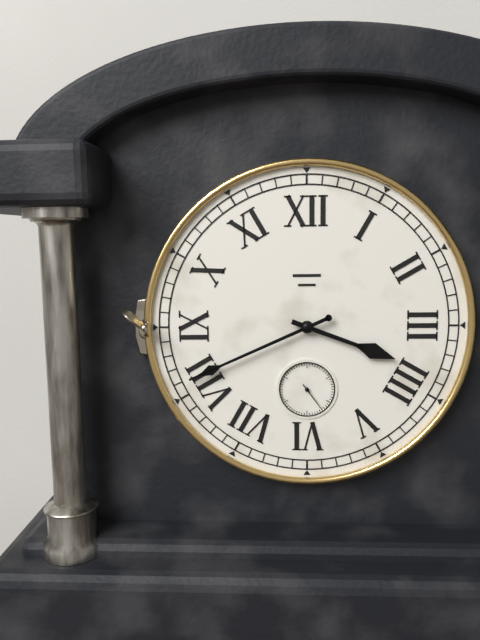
3h41
